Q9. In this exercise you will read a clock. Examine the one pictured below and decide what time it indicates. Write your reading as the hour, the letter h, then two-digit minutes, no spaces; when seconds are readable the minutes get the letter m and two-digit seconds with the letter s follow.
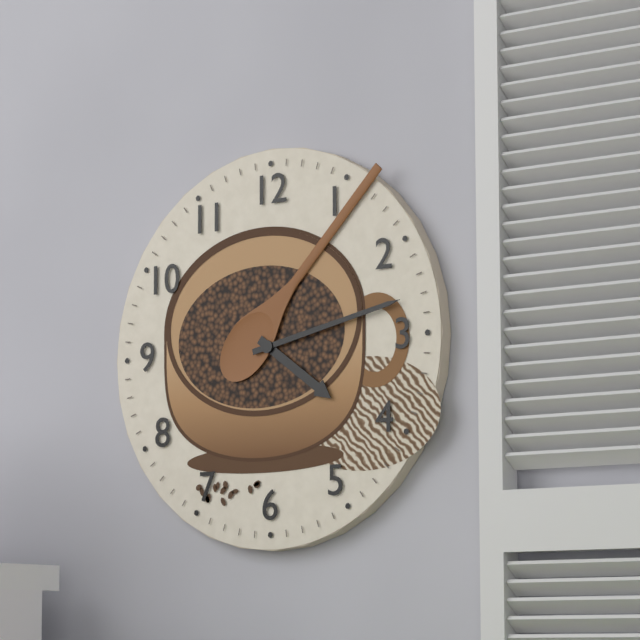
4h13
